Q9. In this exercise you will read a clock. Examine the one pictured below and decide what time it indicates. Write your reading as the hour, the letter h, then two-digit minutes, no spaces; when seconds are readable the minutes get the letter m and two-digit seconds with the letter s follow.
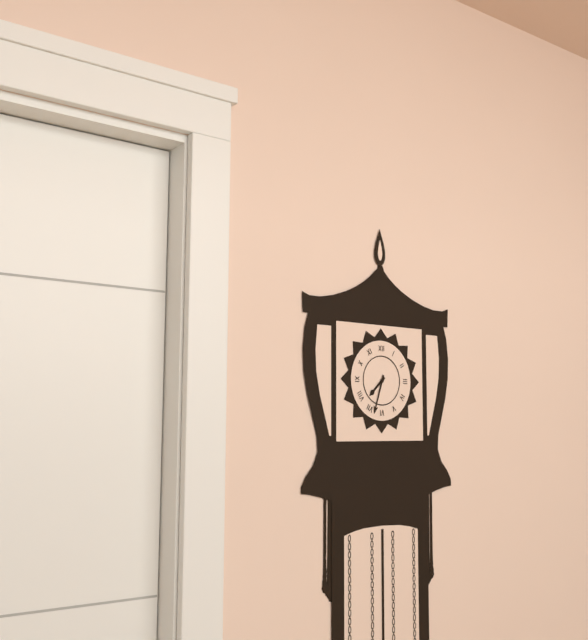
7h33
